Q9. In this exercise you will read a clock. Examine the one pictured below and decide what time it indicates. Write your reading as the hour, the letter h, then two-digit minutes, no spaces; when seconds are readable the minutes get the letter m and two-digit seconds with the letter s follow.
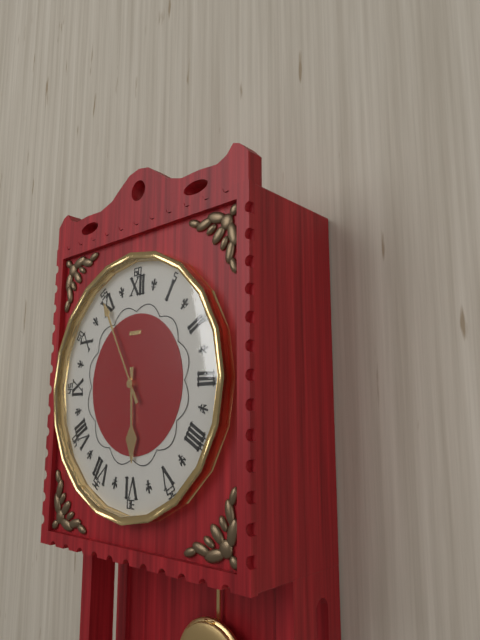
5h55
